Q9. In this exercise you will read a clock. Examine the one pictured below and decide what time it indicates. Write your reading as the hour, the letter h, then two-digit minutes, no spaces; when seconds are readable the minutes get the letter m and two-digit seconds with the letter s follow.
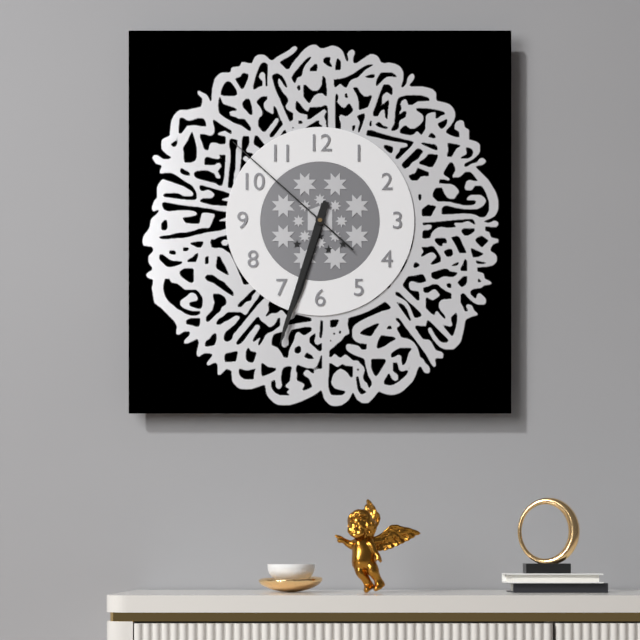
6h33m52s
